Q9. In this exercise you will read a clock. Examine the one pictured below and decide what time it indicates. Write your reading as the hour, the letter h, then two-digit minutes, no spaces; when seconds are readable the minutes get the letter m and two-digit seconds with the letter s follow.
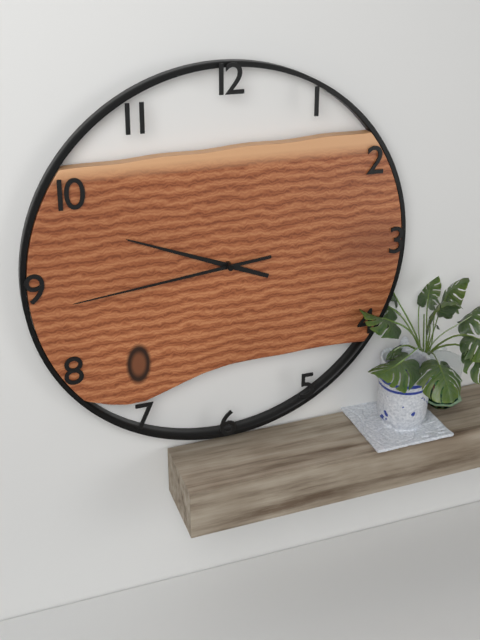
9h44
